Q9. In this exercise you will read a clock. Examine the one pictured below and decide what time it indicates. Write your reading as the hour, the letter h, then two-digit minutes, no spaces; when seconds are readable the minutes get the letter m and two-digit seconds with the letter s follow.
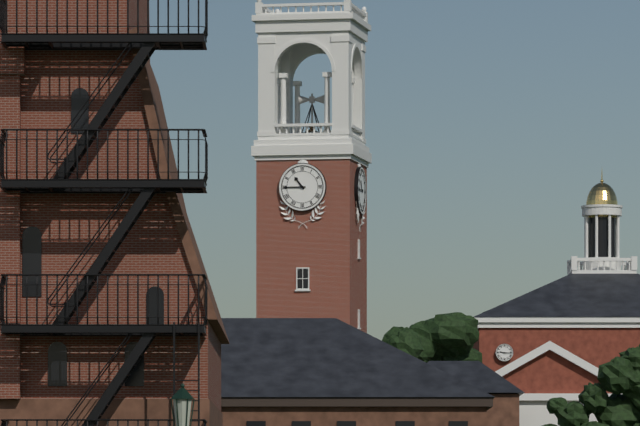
10h45
